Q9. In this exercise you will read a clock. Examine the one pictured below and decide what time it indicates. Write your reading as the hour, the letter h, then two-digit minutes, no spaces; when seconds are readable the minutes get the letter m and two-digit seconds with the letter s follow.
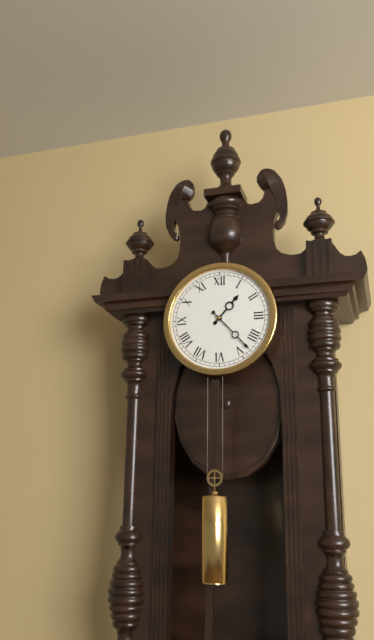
1h23
